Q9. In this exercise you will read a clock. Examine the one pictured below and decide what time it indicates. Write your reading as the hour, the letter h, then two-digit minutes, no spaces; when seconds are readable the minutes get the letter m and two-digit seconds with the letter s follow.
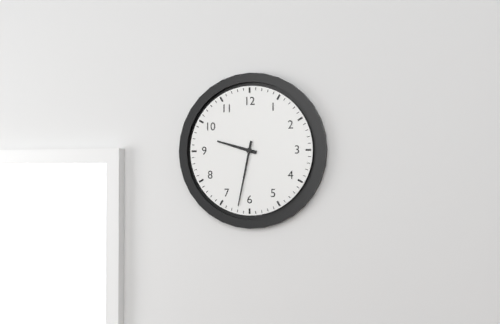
9h32
